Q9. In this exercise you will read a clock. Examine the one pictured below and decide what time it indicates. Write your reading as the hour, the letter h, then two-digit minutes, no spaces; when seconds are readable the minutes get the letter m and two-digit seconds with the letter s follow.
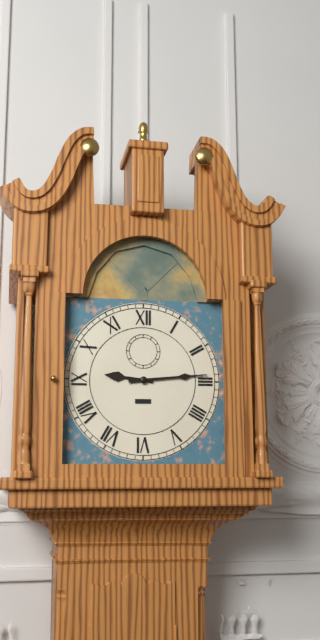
9h14
